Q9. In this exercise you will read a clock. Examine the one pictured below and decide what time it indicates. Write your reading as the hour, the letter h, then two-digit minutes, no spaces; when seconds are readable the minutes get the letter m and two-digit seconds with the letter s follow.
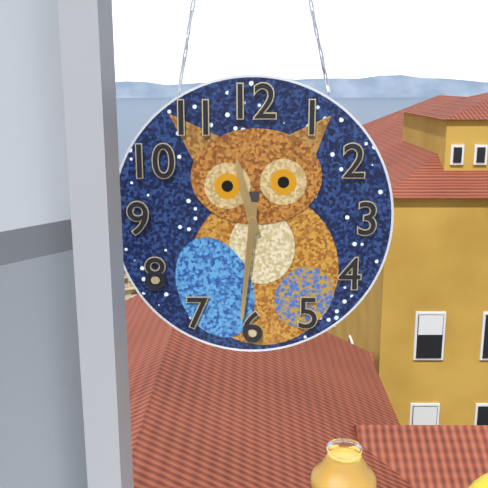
11h31
